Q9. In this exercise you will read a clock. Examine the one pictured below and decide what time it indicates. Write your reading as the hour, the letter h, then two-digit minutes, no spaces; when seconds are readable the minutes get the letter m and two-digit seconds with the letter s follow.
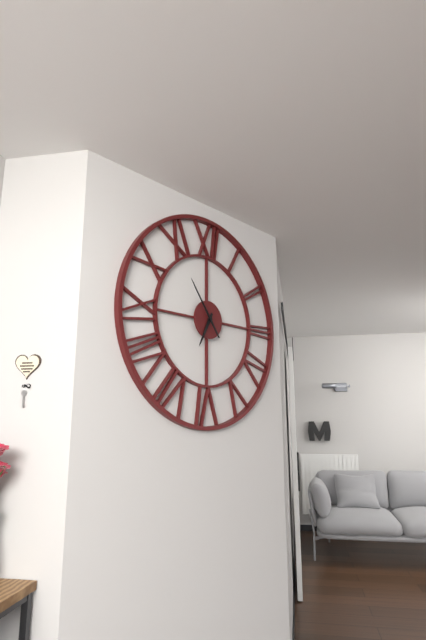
6h54
